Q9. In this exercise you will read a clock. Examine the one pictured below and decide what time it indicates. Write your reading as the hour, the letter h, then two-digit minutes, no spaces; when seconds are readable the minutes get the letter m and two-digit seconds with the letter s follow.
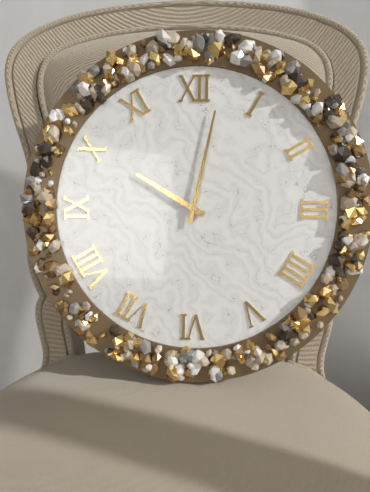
10h02
